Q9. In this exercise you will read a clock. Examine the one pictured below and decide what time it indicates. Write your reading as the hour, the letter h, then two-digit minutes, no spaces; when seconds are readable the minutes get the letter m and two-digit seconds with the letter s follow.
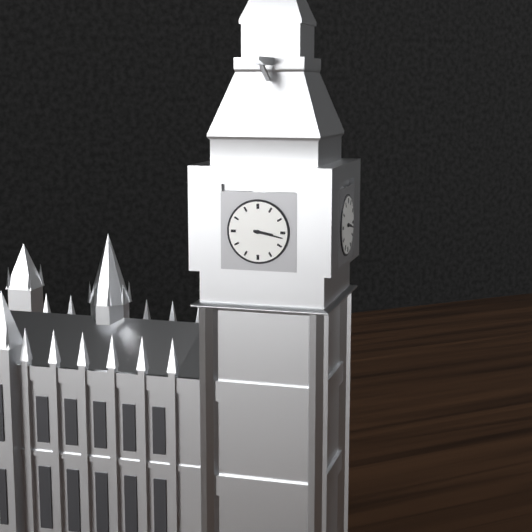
3h17
